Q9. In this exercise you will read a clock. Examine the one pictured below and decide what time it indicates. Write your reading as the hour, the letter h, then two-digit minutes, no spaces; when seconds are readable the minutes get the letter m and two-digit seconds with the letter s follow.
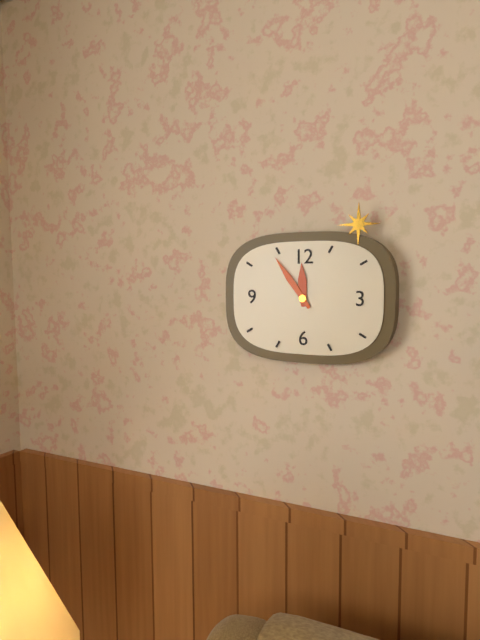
11h54
